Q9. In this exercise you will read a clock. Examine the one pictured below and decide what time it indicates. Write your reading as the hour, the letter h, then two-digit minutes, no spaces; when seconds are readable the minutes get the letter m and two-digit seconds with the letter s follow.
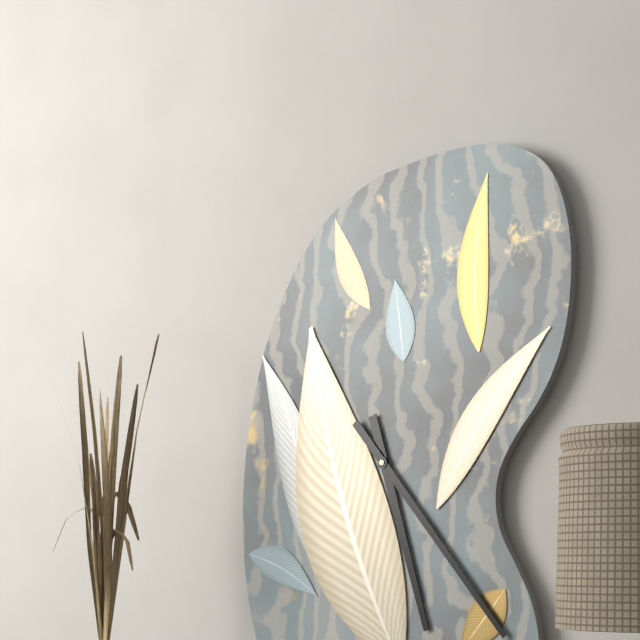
5h23
